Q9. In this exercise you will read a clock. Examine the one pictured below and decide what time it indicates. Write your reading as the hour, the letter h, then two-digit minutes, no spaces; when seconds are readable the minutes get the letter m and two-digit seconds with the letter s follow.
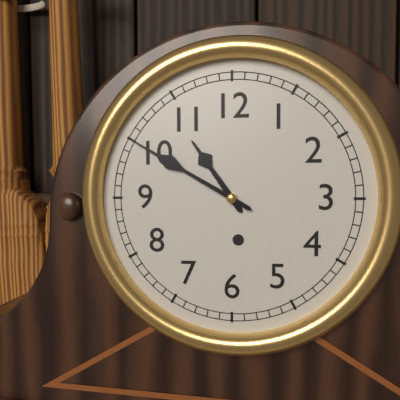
10h50
